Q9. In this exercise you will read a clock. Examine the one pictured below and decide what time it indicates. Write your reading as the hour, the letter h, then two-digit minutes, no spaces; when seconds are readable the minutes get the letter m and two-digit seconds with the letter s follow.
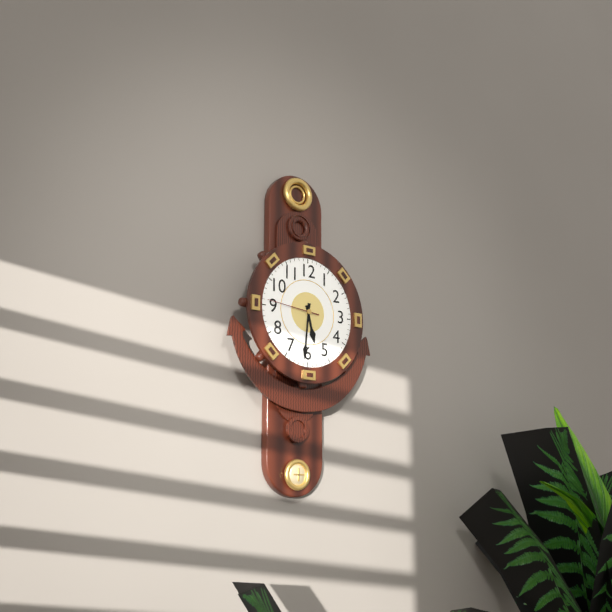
5h31m46s
